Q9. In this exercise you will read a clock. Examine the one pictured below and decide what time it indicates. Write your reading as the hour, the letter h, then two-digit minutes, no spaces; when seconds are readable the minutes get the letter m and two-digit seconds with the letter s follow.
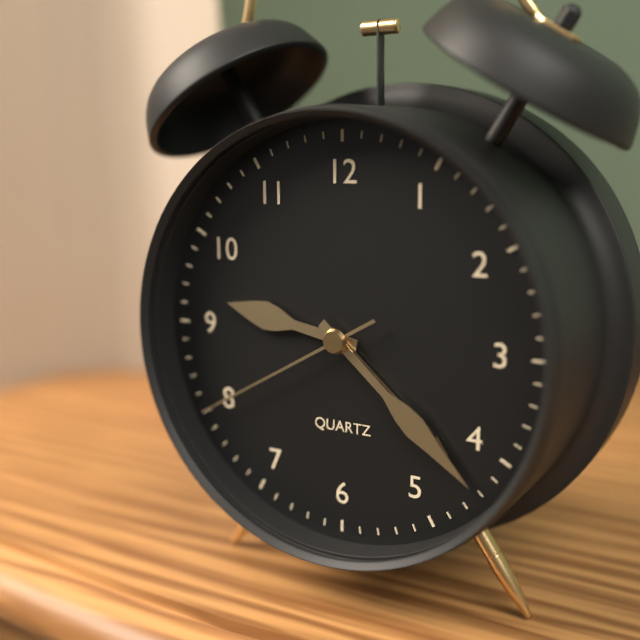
9h22m40s
